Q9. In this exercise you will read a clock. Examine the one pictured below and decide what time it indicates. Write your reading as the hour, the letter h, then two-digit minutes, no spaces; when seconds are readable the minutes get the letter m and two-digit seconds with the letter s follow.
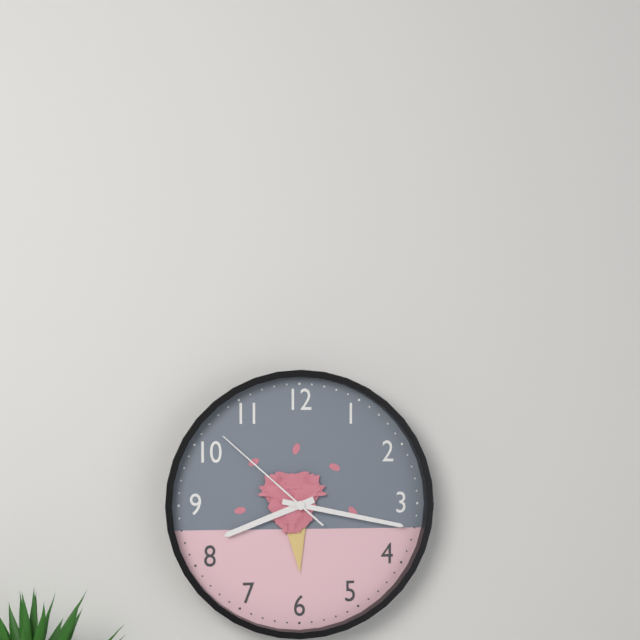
8h17m52s
